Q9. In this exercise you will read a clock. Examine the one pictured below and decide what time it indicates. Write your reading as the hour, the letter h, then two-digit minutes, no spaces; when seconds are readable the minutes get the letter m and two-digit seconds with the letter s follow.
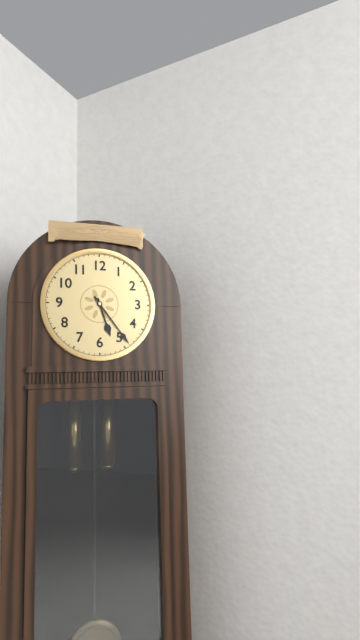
5h24
